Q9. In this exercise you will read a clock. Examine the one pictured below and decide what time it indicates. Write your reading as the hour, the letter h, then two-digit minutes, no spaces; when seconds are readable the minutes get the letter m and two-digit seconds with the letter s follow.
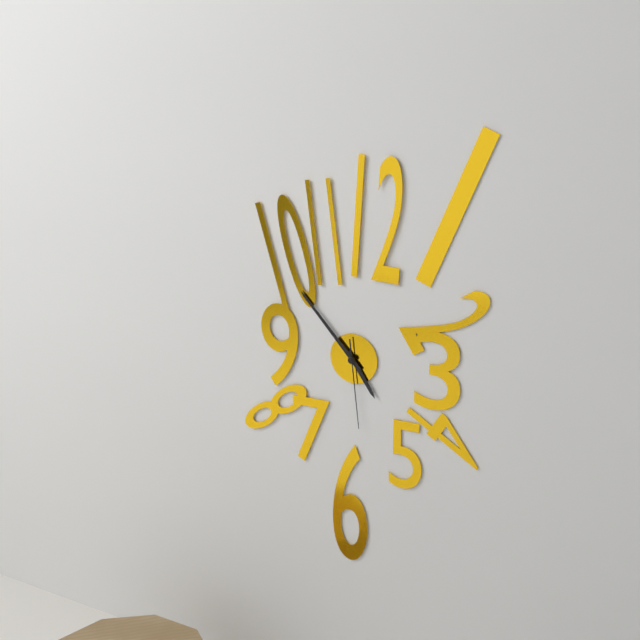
4h53m29s
